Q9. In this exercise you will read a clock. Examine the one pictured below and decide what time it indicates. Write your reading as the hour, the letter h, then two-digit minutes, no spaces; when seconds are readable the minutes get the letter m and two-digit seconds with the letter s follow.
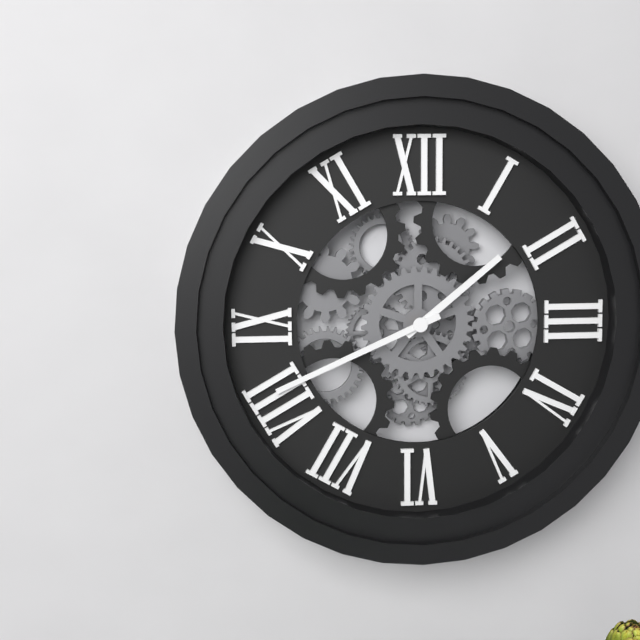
1h41
